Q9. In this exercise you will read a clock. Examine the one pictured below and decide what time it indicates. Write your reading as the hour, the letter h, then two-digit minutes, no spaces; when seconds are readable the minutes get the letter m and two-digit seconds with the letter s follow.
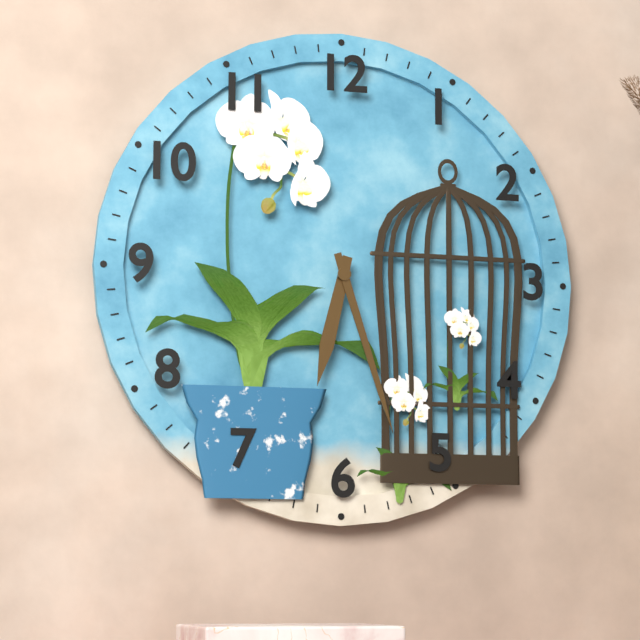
6h27
